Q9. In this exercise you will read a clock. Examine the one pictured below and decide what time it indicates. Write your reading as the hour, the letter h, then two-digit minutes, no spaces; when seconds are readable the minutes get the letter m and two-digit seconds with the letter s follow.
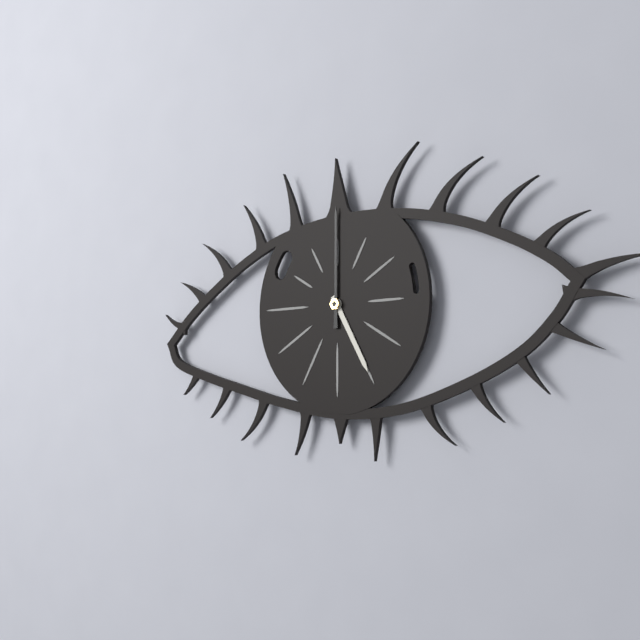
5h00
